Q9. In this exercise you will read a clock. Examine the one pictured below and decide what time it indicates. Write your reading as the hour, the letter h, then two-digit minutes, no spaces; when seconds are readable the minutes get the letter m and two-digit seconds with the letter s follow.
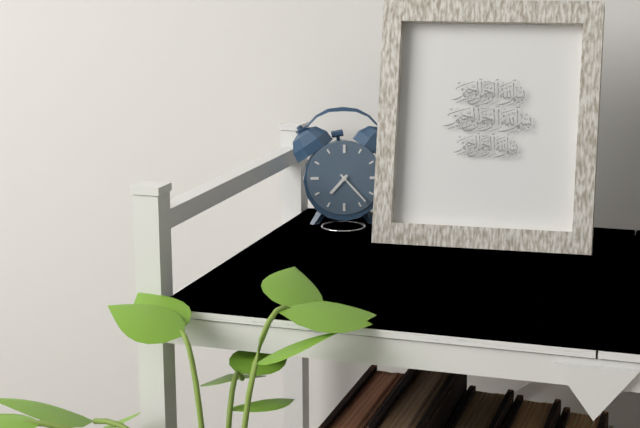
7h23
